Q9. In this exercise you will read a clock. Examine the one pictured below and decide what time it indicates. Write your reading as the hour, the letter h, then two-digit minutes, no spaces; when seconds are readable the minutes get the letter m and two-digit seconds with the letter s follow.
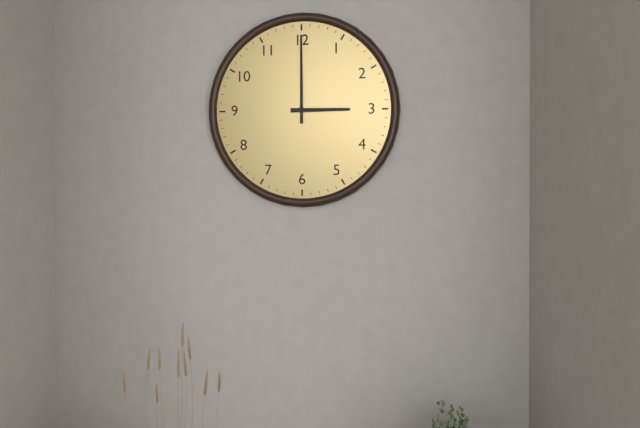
3h00
